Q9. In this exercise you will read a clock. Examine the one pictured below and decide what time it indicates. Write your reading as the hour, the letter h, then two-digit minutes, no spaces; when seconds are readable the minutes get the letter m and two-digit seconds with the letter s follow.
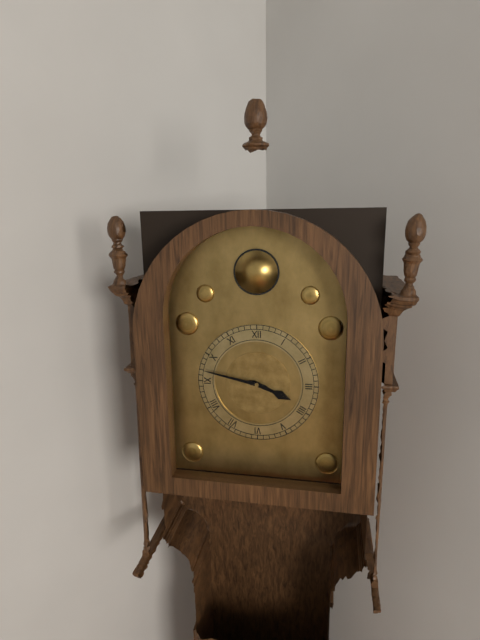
3h47
